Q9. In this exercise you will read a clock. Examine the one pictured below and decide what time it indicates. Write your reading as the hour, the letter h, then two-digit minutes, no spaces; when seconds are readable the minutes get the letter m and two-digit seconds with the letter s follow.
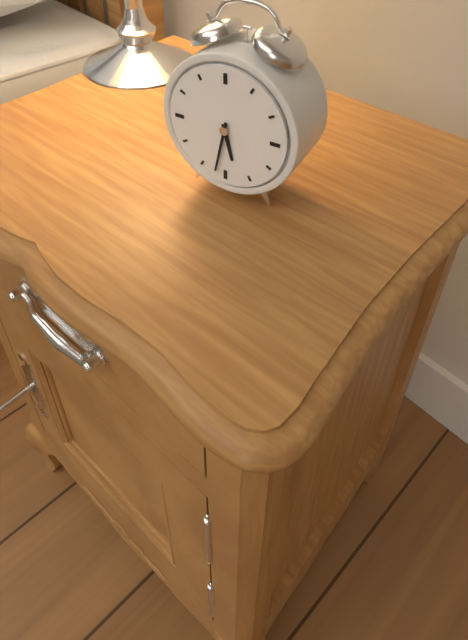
5h32
